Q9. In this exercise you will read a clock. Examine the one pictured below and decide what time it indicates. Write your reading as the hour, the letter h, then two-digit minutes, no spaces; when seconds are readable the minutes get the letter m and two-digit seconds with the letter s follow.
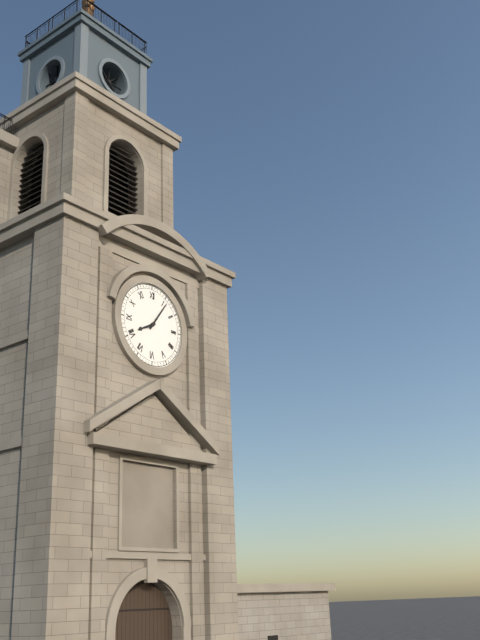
8h06
